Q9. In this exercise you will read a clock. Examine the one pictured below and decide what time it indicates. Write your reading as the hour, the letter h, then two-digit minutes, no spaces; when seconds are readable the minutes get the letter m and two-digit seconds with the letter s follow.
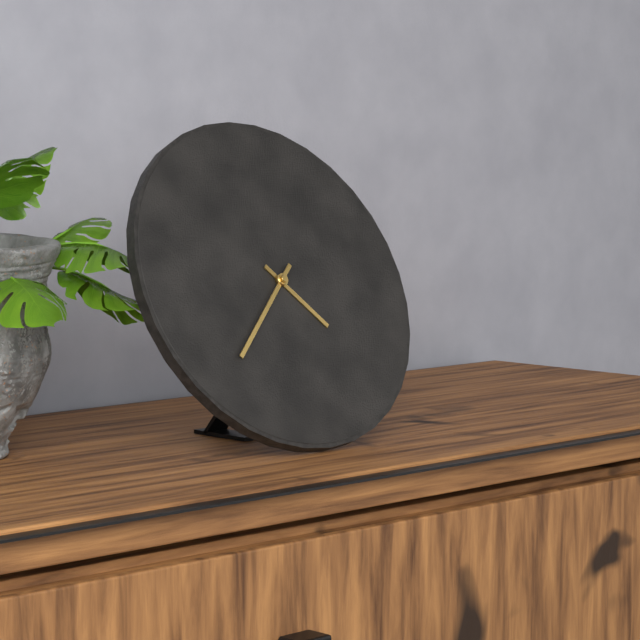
4h38
